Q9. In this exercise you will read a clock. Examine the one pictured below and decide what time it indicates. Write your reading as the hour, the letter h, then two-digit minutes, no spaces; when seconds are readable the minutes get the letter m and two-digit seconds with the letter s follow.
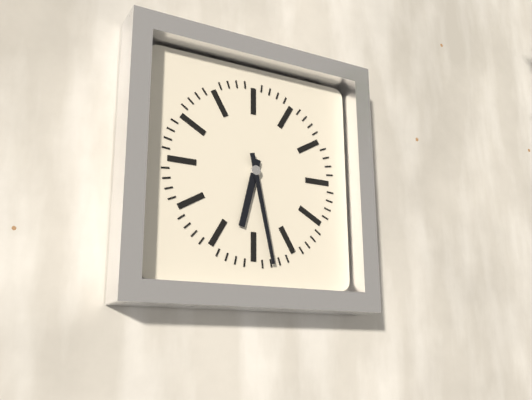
6h28
